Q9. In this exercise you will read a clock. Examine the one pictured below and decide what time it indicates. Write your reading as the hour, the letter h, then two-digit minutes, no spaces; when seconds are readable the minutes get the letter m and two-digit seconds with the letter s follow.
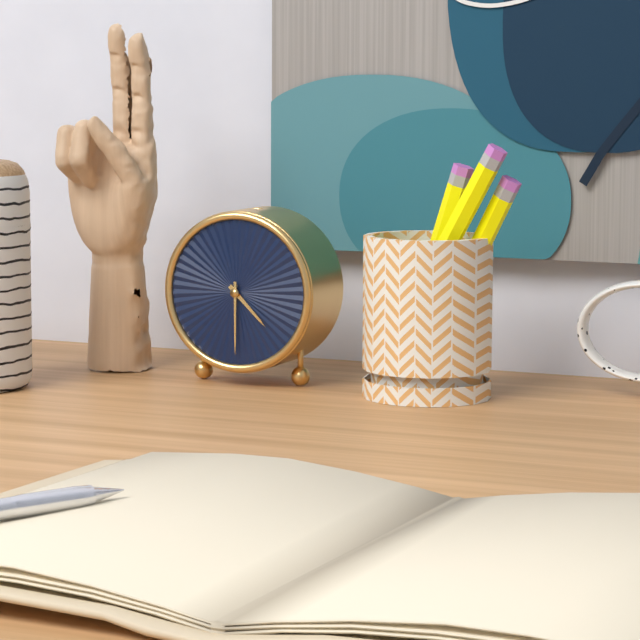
4h30
